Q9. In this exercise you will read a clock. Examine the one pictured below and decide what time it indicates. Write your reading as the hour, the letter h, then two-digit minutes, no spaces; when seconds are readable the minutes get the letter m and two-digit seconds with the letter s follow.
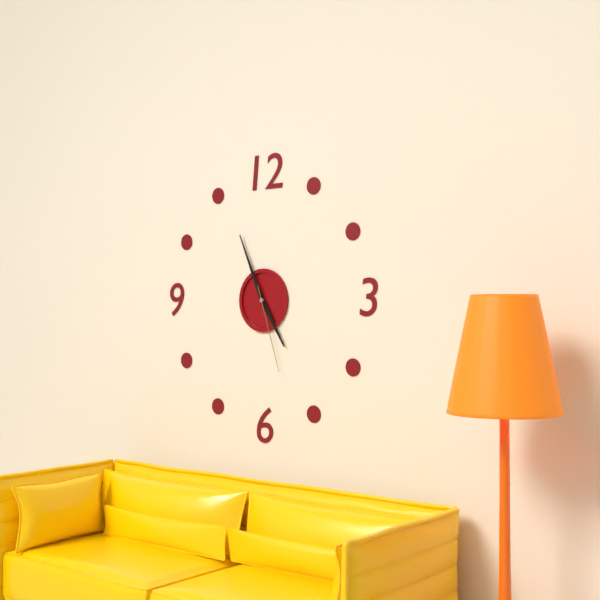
4h56m27s
